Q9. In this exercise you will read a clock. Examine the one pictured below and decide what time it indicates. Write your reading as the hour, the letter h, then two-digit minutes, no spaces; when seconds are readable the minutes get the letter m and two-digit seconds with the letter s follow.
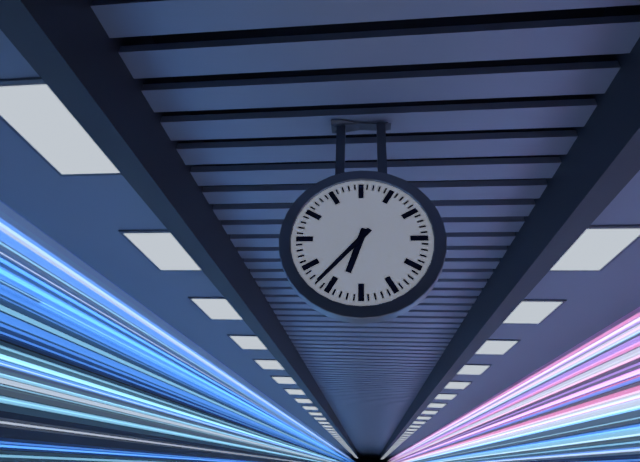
6h37
